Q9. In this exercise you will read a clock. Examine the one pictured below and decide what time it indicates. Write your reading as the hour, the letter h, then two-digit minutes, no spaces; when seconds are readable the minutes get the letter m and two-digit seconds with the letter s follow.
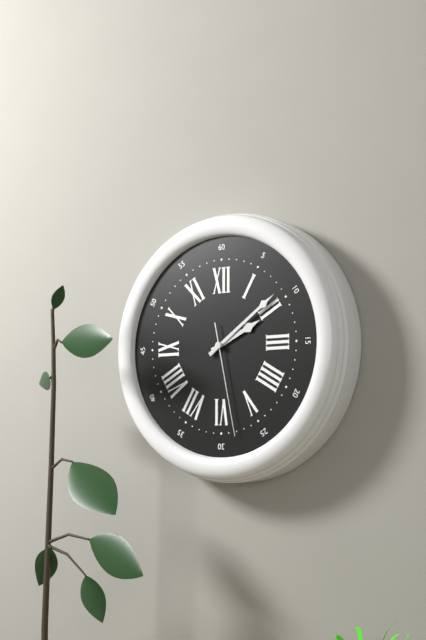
2h09m28s
